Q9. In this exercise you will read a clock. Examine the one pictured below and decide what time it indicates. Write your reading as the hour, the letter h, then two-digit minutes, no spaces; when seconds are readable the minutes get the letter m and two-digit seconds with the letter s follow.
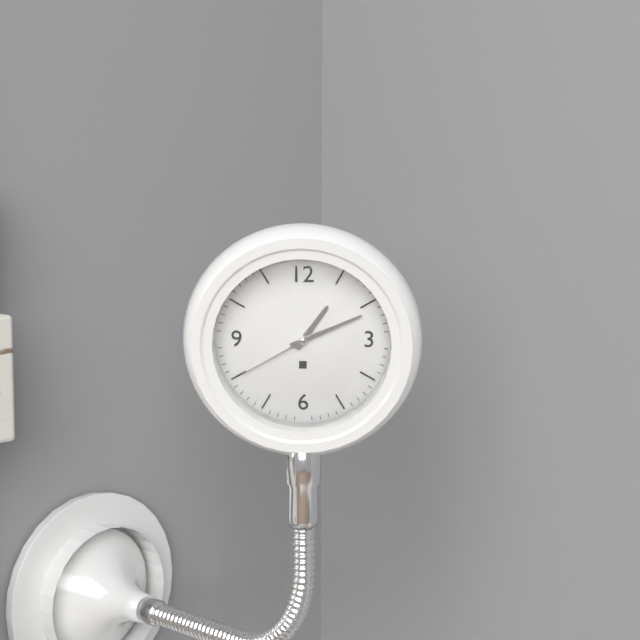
1h11m40s
